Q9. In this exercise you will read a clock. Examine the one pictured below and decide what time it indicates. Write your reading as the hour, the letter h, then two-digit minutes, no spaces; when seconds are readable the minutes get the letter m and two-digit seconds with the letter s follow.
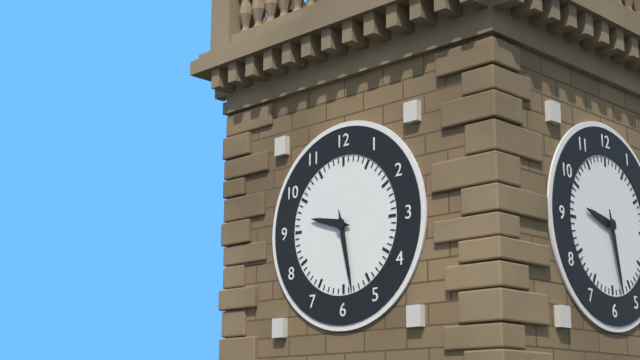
9h28
